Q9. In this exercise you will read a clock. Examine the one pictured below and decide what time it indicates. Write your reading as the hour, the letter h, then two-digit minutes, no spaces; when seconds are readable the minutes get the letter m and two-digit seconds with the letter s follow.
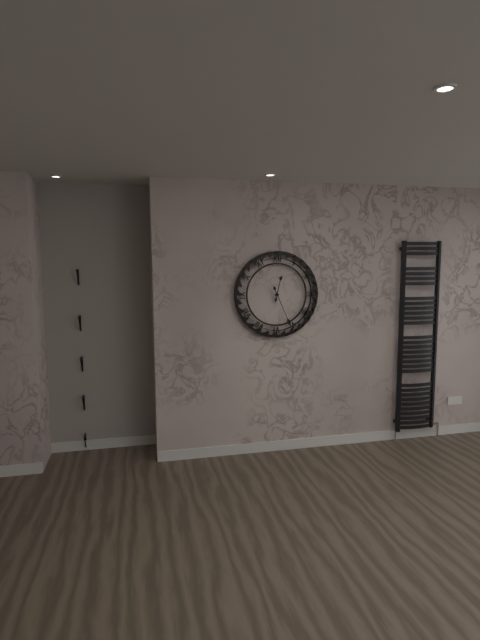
12h26
